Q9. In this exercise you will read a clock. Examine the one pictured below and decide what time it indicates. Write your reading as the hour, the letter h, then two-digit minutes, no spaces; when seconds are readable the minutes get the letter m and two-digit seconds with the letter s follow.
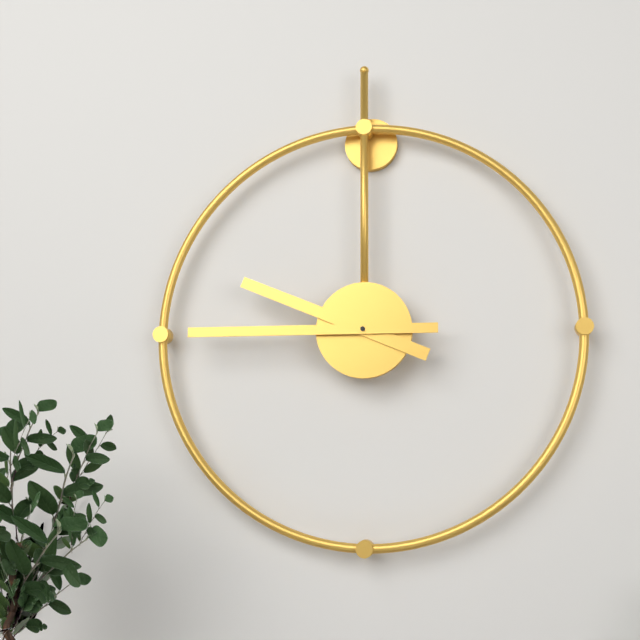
9h45
